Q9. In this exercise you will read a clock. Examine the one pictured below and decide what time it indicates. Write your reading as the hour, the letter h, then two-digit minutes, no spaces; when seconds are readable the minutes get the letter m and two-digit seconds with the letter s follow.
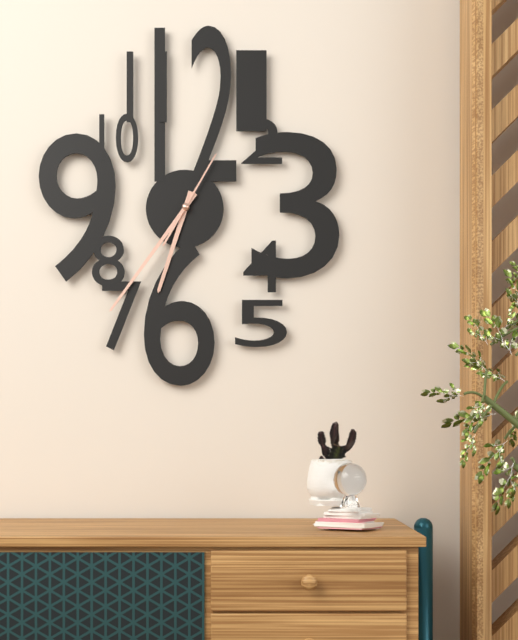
6h36m05s
